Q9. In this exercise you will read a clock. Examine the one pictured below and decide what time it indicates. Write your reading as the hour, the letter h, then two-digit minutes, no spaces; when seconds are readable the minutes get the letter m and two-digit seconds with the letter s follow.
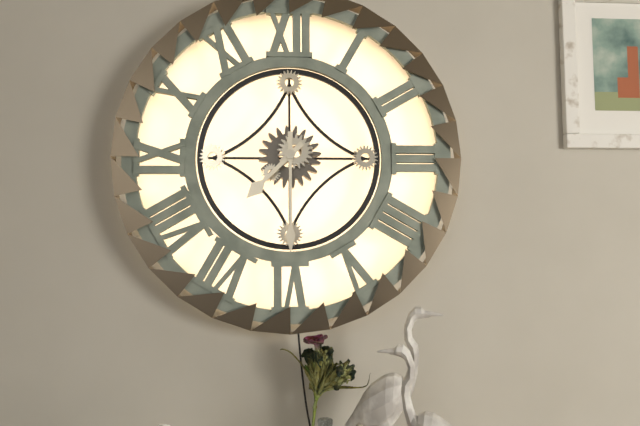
7h30
